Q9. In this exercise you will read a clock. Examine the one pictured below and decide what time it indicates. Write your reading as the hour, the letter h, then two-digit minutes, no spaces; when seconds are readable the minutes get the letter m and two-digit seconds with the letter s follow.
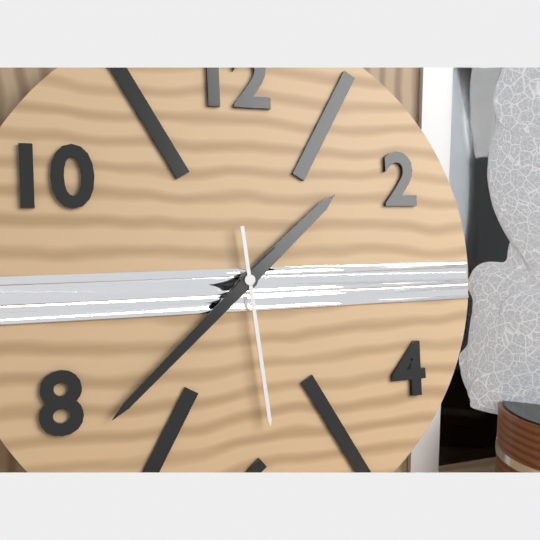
1h38m29s
